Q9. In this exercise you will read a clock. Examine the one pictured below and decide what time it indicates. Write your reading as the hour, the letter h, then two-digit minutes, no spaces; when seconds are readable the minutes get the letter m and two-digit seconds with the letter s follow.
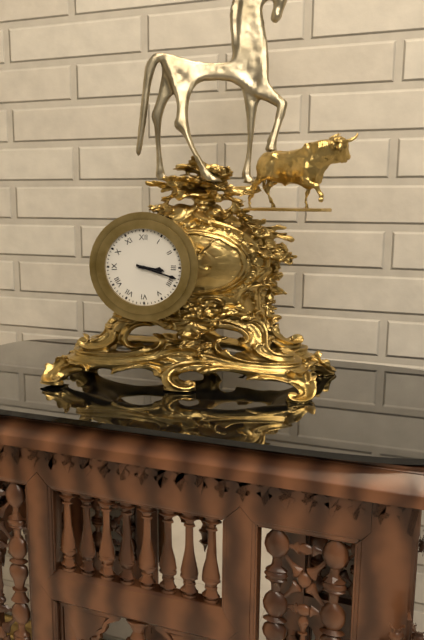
3h18
